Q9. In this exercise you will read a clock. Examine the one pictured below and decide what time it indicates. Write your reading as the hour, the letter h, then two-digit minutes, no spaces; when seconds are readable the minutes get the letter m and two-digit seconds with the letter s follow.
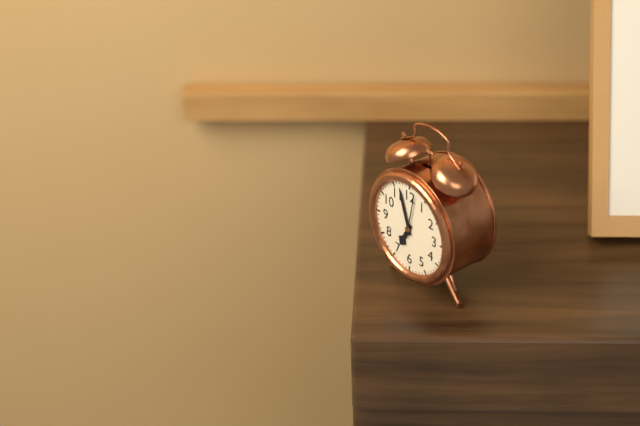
6h57
